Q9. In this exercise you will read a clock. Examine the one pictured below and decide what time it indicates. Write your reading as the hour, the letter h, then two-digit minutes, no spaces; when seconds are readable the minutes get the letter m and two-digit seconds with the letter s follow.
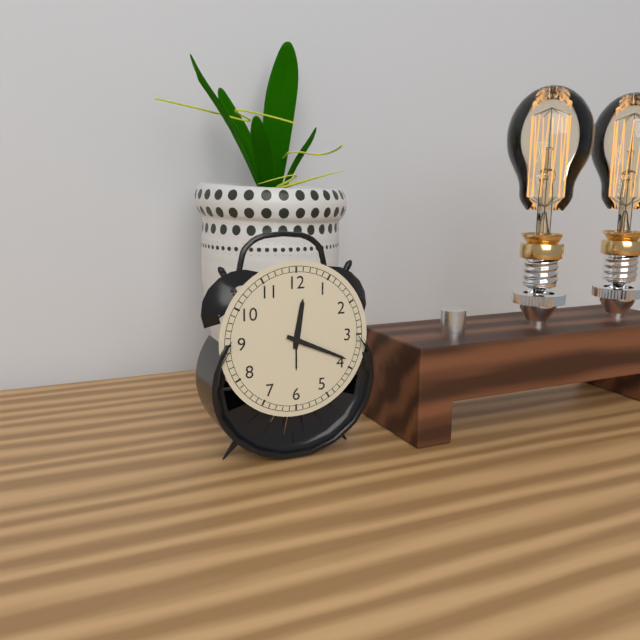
12h19
